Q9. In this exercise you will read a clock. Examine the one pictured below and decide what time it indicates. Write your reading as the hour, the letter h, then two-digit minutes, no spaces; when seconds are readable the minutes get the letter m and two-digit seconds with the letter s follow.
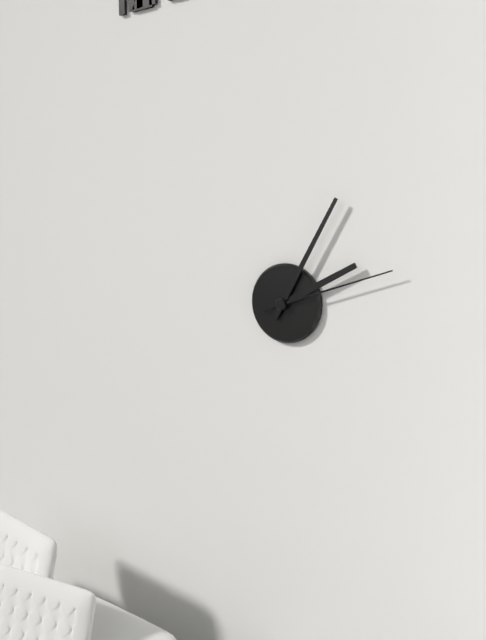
2h05m12s
